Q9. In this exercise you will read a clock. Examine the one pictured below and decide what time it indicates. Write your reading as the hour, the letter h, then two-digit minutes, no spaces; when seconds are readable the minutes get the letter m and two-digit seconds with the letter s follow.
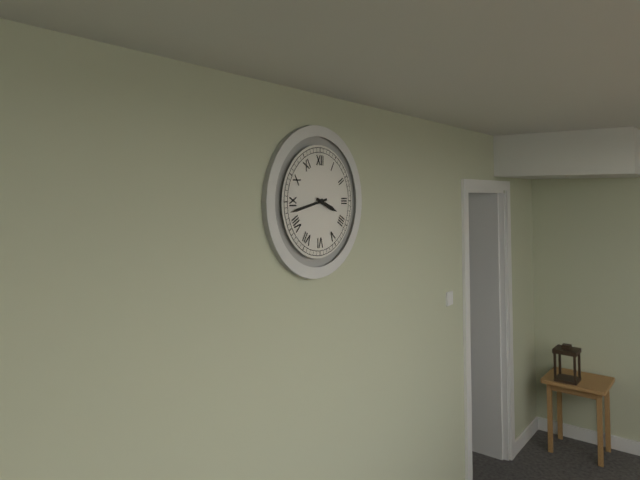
3h43
